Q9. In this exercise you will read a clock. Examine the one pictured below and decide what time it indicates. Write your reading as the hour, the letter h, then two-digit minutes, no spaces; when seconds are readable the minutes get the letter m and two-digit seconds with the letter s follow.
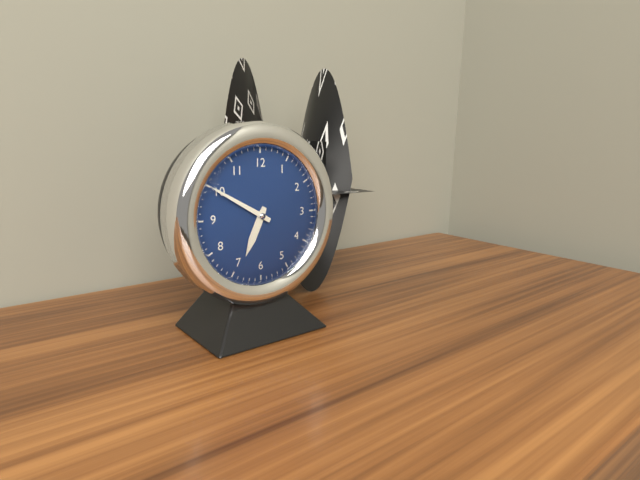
6h50
